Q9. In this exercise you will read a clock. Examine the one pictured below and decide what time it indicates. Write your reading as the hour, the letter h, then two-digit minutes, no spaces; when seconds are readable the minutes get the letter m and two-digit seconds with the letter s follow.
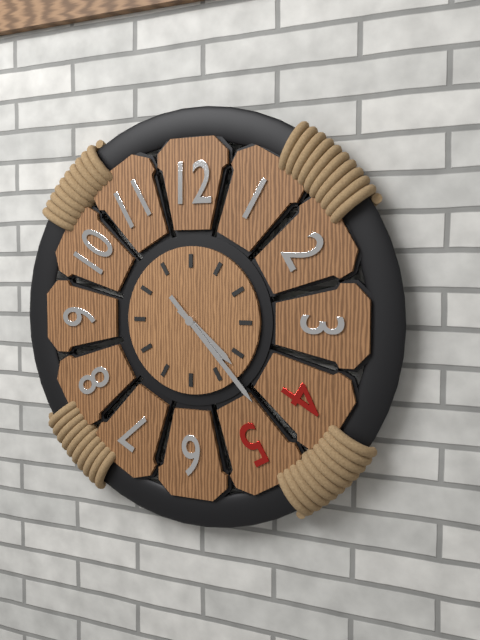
4h23
